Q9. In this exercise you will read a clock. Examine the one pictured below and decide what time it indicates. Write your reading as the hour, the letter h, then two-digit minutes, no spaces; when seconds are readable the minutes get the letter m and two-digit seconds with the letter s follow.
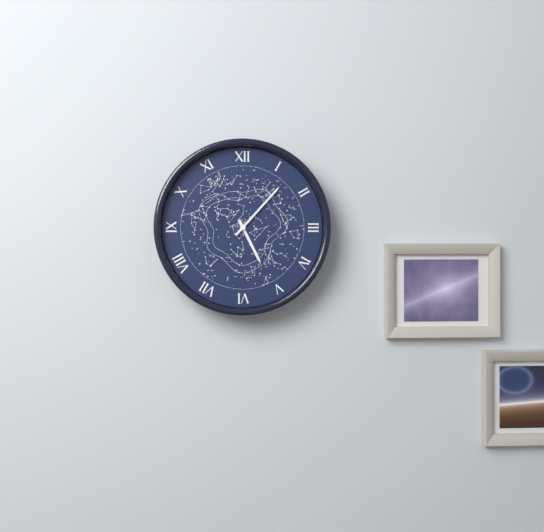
5h07
